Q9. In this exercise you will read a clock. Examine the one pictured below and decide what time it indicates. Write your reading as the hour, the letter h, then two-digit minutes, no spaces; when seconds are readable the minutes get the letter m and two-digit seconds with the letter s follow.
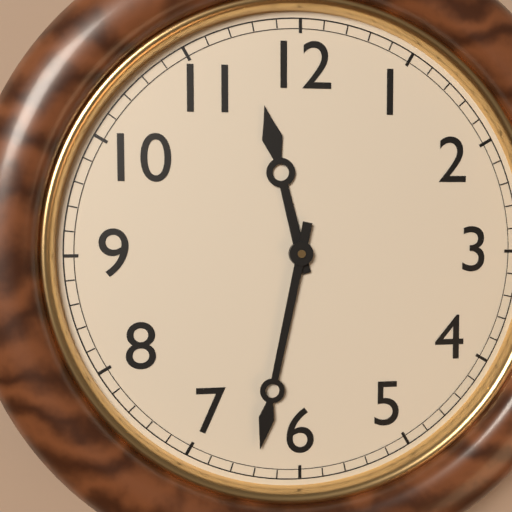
11h32
